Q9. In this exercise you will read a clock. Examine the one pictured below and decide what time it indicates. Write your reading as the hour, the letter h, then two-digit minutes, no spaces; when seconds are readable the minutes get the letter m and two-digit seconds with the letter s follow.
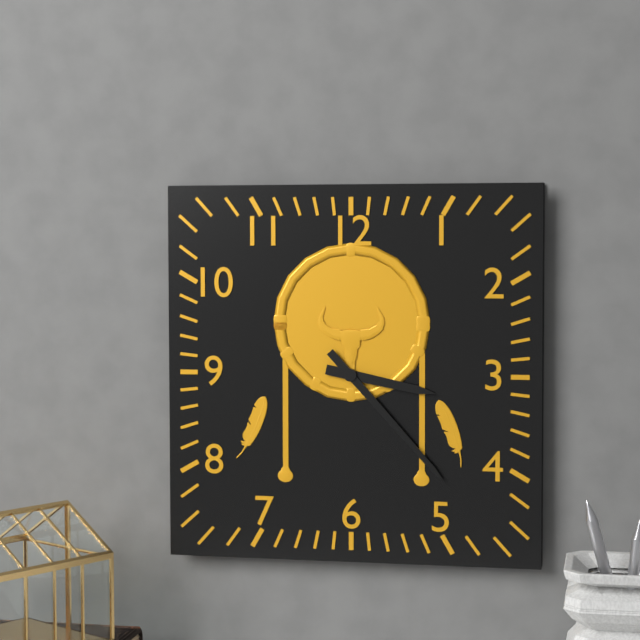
3h23
